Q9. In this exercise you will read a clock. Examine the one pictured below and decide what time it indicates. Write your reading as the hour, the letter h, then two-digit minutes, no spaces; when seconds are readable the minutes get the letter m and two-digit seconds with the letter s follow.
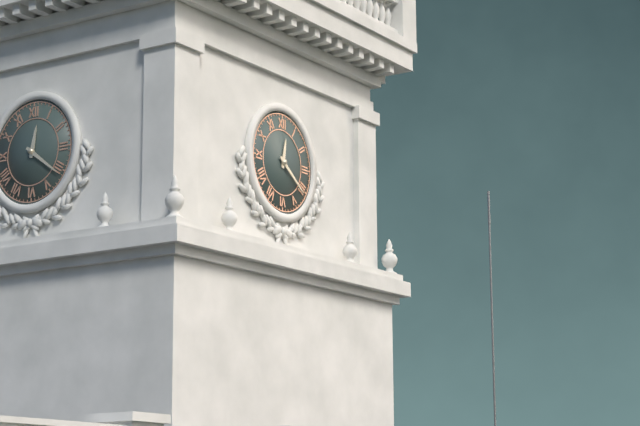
12h21
